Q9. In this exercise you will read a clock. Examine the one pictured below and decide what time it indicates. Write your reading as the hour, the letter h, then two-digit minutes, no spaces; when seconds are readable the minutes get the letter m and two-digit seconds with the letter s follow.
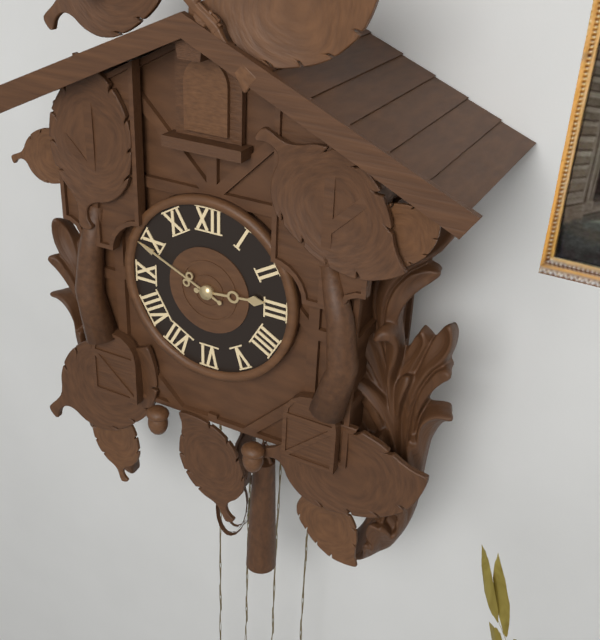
2h49
